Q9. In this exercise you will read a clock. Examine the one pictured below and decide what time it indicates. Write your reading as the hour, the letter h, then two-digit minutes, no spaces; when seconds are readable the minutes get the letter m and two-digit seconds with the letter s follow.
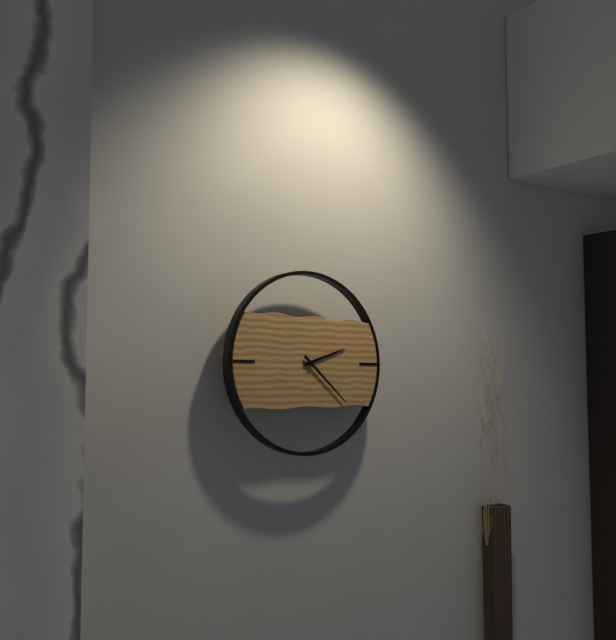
2h22
